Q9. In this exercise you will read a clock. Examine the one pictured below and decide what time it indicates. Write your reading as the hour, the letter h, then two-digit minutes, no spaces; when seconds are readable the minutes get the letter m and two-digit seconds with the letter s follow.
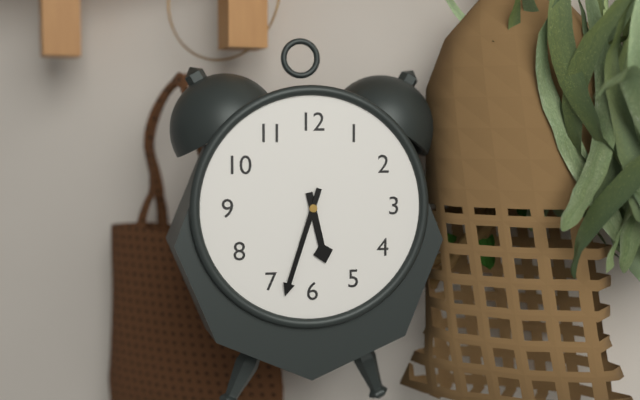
5h33
